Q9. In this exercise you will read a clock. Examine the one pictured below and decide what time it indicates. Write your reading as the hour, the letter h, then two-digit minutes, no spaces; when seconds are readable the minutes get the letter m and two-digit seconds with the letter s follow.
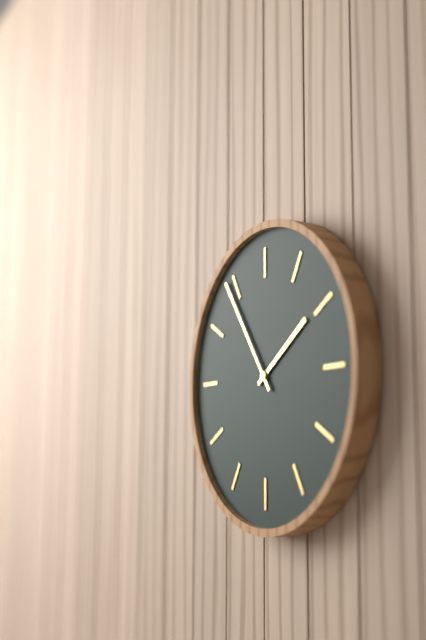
1h54
